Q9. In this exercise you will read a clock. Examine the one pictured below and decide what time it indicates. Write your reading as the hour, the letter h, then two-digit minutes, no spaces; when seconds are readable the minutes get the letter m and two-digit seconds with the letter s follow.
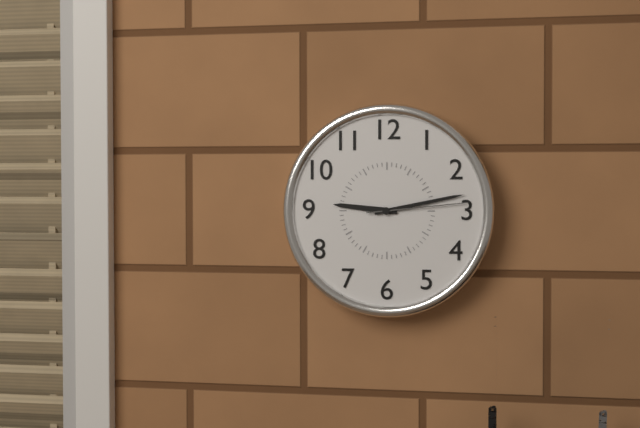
9h13m14s
